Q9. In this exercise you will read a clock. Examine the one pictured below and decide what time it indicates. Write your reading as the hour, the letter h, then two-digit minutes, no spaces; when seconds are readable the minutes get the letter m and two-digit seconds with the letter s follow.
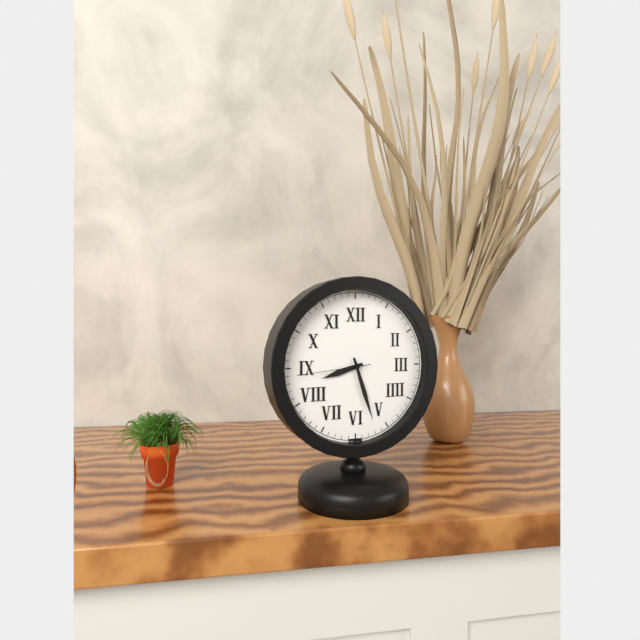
8h27m44s
